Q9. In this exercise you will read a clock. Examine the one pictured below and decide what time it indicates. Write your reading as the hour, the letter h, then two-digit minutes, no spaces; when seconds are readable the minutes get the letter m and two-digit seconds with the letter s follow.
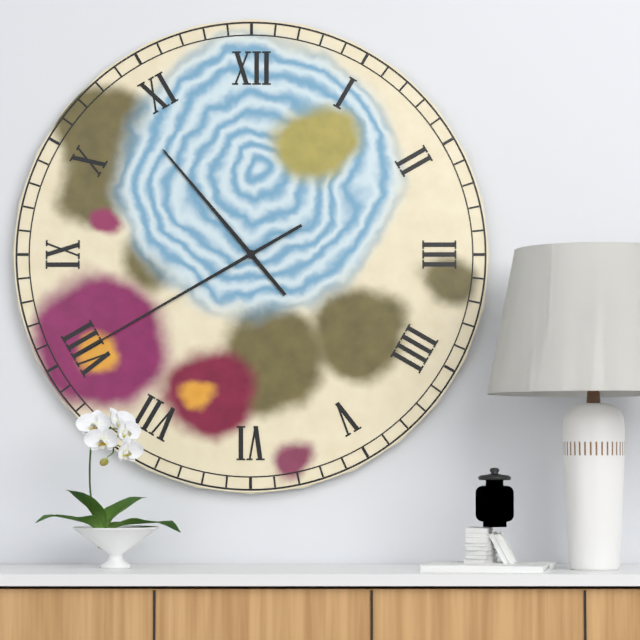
10h40
